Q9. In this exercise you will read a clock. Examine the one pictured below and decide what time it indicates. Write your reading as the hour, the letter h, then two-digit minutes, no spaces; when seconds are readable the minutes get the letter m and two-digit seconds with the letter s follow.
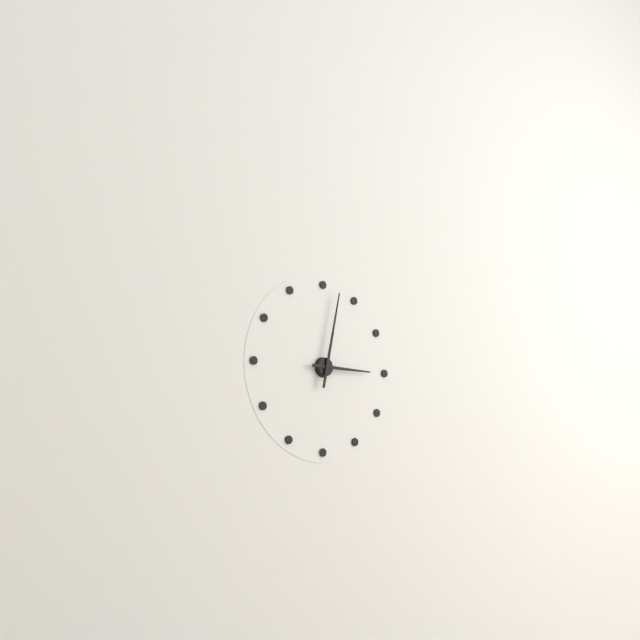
3h02
